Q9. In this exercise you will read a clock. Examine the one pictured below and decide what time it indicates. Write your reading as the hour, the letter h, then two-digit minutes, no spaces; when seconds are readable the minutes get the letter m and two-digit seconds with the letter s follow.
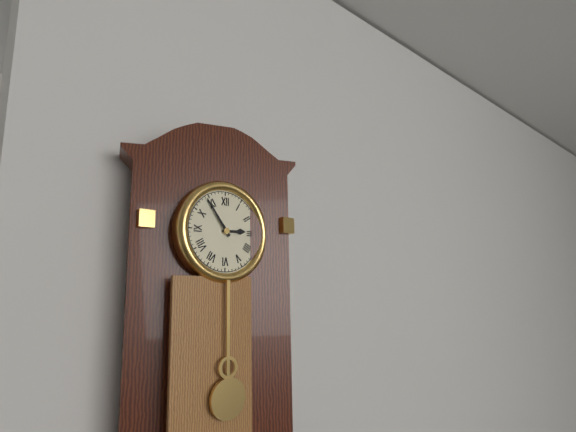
2h54
